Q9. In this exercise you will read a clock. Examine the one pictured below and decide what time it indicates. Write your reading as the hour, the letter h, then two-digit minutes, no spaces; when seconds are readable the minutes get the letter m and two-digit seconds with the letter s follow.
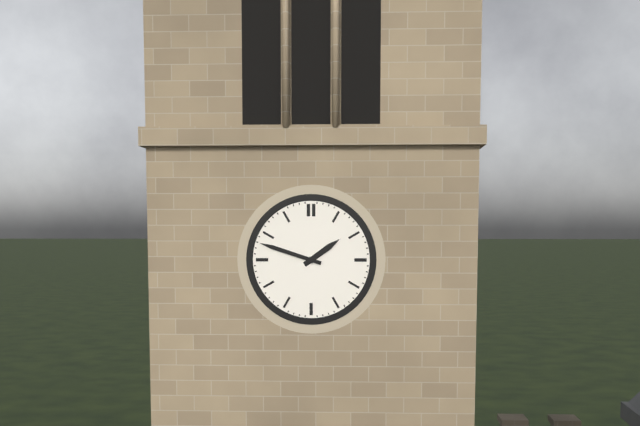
1h48
